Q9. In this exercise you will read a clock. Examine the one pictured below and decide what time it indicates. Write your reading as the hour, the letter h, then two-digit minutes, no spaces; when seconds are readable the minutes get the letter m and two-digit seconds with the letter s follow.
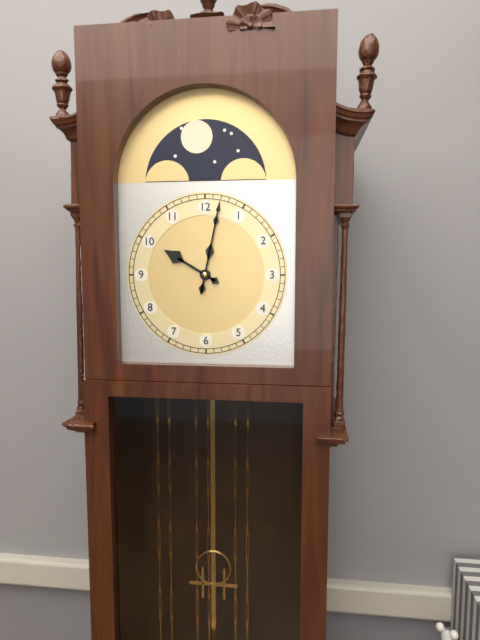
10h02
